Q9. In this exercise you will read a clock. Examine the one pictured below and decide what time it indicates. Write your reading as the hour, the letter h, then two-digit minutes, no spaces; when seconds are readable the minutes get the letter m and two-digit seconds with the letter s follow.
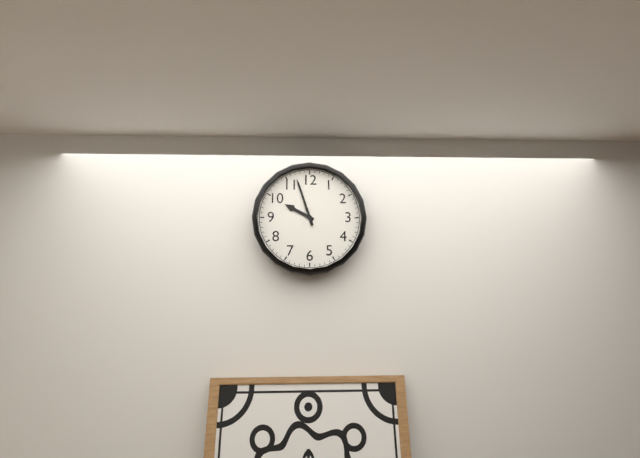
9h57
